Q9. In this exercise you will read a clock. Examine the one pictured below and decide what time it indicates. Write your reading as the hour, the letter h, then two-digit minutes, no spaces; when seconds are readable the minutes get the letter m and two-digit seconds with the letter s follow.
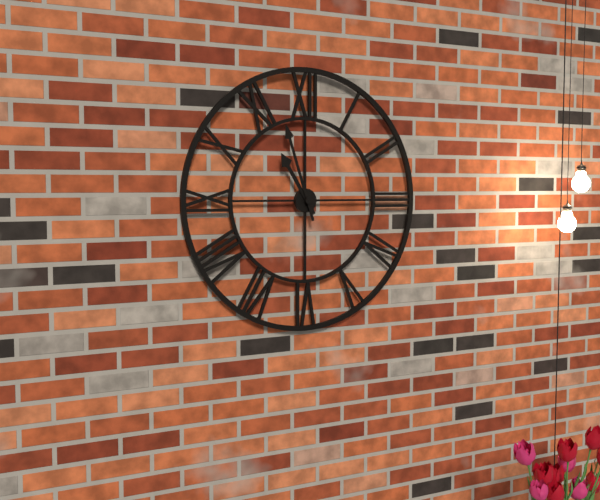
10h57
